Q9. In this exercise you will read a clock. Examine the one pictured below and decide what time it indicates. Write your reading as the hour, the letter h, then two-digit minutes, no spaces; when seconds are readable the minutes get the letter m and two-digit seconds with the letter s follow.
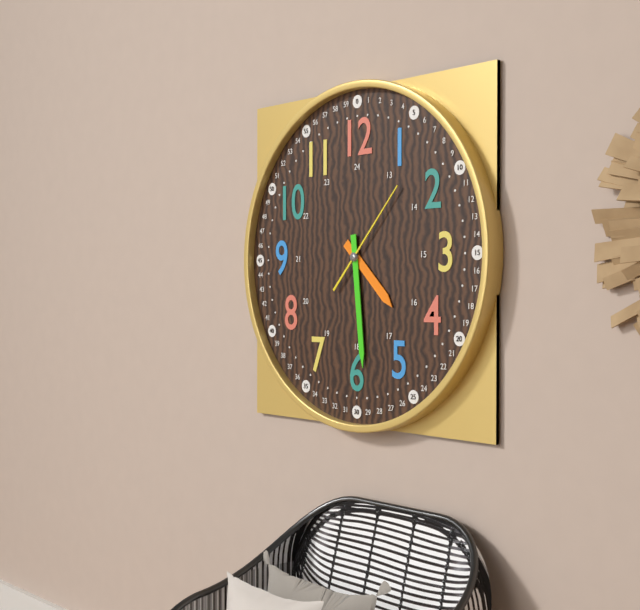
4h29m07s
